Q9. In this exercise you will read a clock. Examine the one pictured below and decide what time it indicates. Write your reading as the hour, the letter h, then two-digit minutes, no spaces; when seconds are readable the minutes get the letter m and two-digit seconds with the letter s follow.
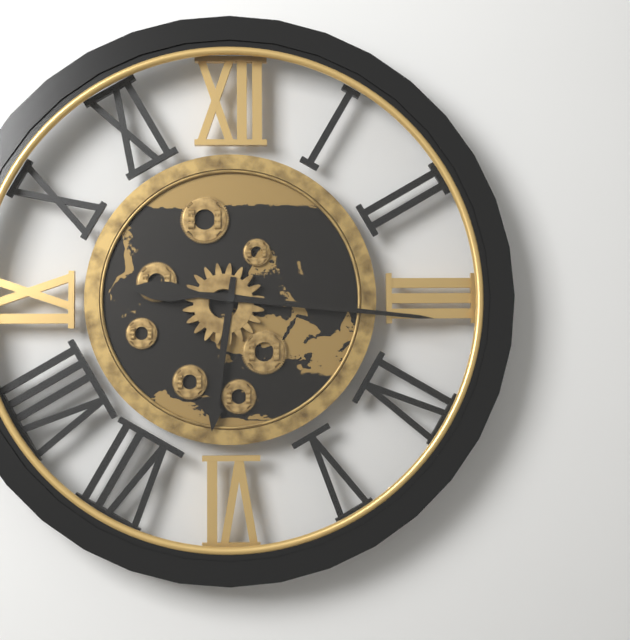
6h16
